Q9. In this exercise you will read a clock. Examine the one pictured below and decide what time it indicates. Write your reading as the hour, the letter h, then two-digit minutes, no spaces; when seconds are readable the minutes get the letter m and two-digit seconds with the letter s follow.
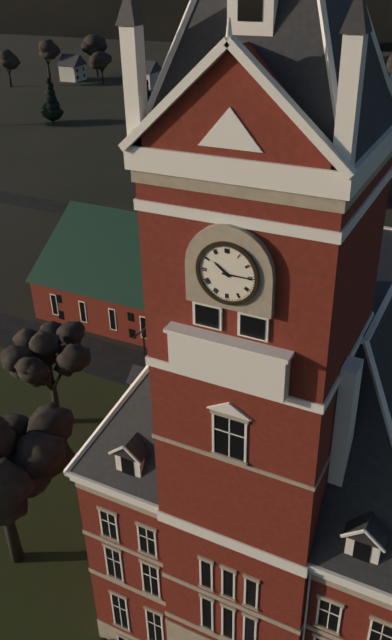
10h15
